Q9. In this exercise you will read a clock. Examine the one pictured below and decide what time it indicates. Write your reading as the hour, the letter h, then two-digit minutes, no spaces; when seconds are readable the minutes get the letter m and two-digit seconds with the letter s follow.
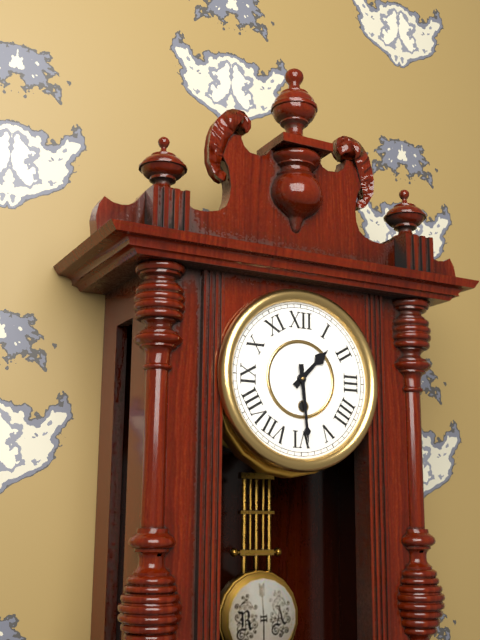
1h29
